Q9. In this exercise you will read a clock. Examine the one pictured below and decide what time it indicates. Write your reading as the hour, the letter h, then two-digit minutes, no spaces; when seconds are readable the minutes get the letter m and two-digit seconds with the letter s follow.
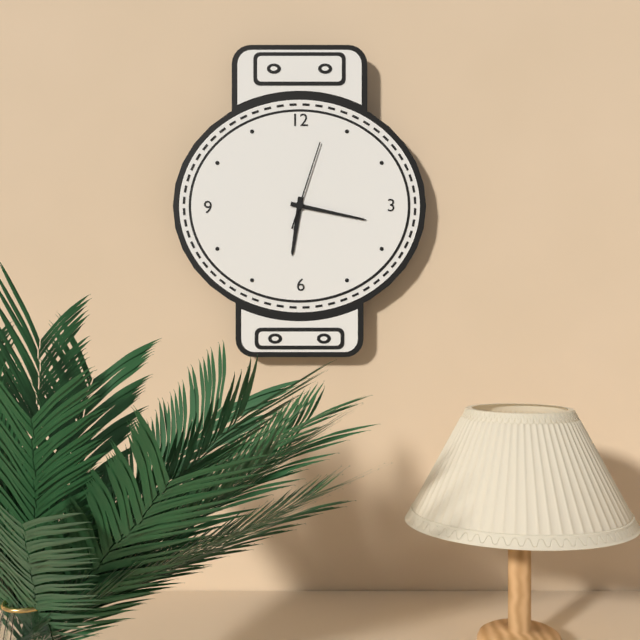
6h17m03s
